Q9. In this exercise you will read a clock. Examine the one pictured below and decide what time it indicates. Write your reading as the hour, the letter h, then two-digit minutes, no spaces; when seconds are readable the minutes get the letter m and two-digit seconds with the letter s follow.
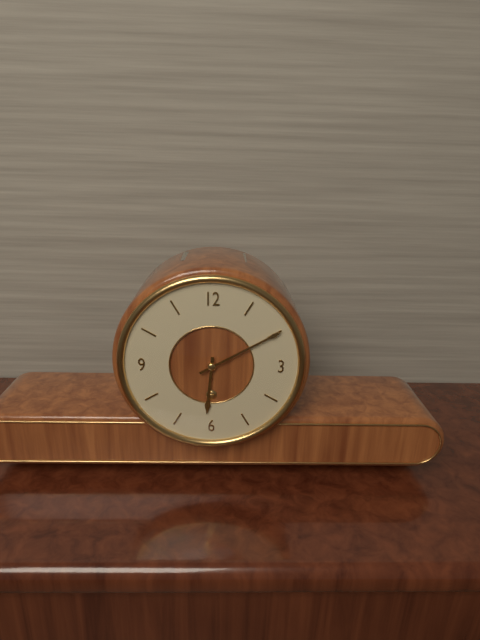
6h10
